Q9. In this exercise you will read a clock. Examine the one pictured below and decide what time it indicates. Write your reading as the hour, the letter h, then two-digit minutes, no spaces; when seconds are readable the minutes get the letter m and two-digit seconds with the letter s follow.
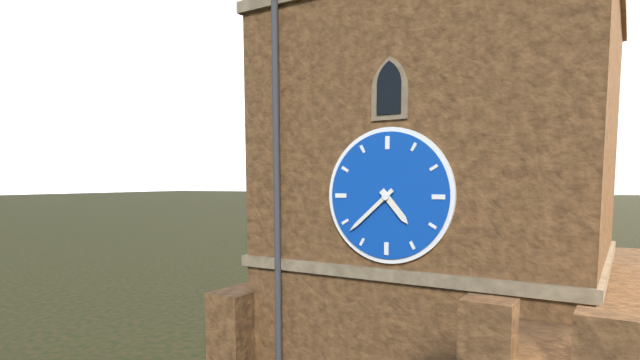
4h38
